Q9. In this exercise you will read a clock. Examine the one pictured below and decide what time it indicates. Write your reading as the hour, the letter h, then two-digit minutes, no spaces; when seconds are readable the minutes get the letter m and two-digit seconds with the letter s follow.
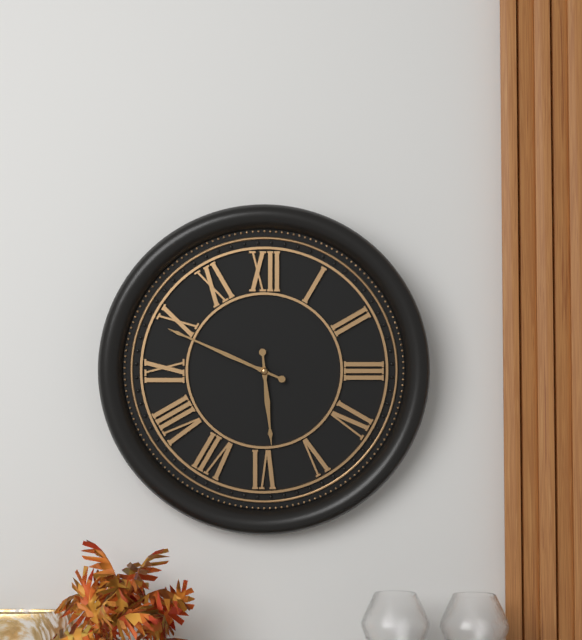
5h49
